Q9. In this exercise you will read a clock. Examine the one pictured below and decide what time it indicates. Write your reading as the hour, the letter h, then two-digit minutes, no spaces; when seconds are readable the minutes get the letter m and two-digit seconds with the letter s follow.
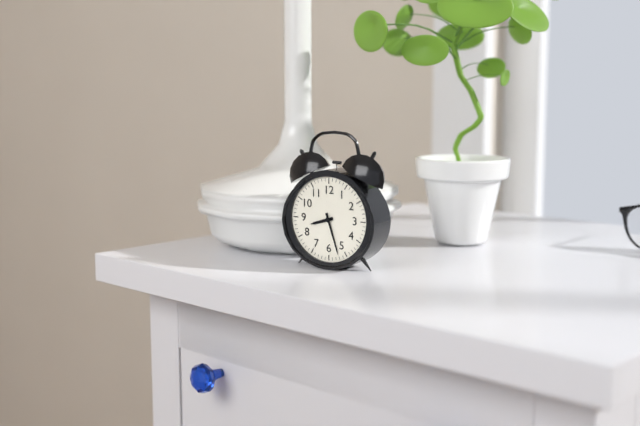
8h27
